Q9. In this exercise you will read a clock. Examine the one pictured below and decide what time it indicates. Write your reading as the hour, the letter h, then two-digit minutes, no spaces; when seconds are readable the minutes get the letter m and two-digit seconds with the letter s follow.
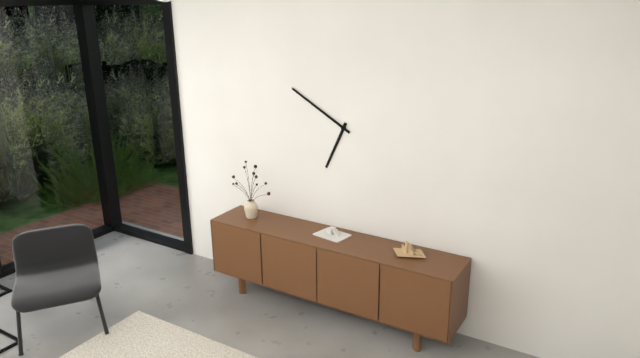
6h50
